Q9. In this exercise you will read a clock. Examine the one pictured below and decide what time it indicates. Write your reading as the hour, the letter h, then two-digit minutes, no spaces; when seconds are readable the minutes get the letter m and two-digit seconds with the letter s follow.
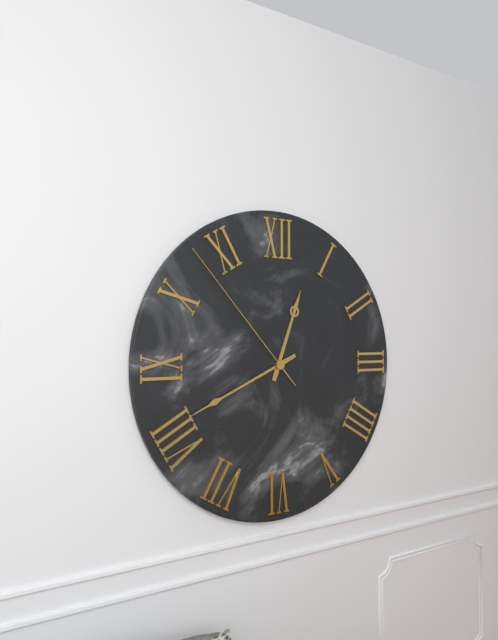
12h41m53s
